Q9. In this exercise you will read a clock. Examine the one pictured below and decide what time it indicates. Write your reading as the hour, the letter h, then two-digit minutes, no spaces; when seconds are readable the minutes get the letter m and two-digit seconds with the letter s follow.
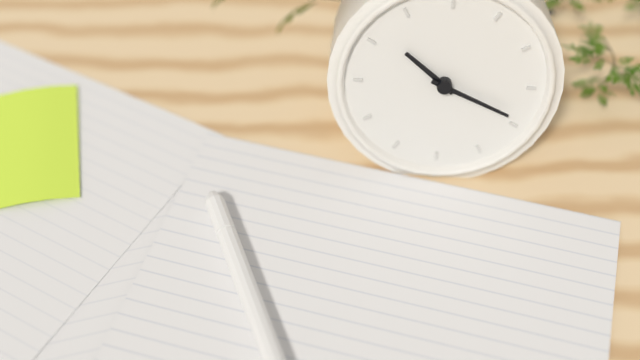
10h19
